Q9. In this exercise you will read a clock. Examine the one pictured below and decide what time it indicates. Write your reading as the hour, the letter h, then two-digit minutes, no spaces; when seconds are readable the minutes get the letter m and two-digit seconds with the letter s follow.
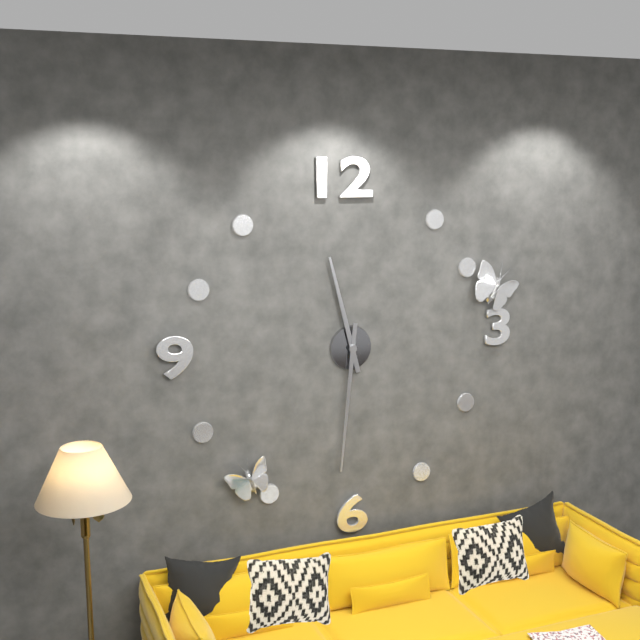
11h31
